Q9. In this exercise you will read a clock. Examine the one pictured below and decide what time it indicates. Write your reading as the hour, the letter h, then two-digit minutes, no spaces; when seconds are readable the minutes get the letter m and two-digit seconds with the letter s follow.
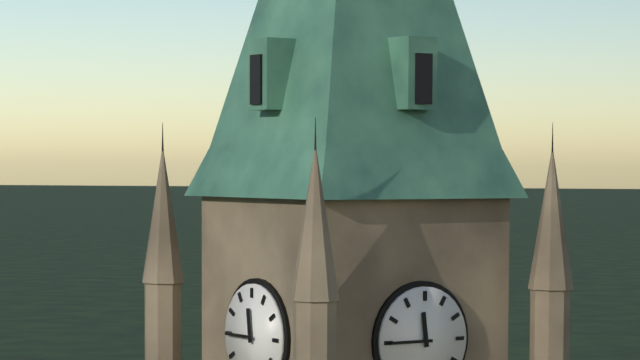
11h45
